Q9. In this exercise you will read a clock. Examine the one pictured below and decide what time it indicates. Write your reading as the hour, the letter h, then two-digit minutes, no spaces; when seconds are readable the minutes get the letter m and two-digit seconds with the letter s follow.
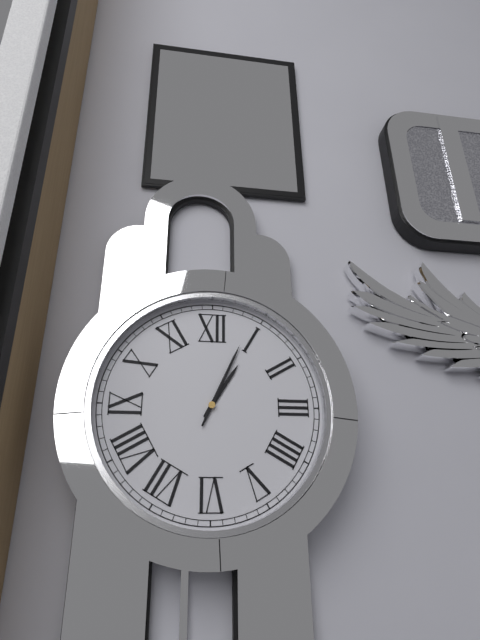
1h04
